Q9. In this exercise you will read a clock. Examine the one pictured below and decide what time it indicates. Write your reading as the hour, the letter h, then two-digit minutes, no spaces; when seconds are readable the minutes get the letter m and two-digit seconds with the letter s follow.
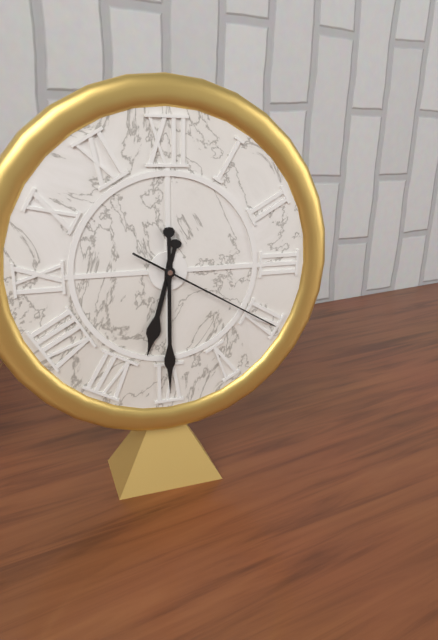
6h30m20s
